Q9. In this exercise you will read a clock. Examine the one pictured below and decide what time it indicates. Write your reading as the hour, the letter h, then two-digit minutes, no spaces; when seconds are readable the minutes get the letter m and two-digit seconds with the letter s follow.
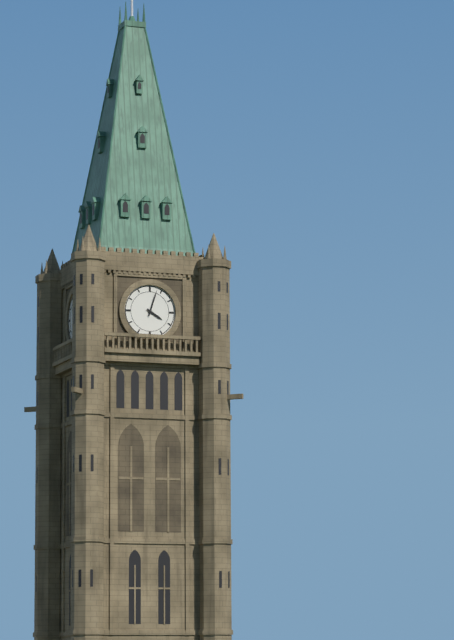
4h03
